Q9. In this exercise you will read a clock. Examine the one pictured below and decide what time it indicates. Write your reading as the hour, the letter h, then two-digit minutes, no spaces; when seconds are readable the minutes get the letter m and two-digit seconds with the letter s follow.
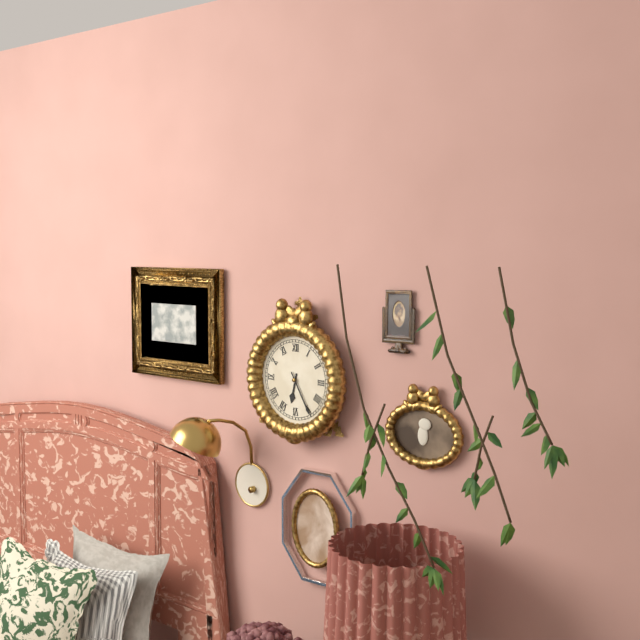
6h25
